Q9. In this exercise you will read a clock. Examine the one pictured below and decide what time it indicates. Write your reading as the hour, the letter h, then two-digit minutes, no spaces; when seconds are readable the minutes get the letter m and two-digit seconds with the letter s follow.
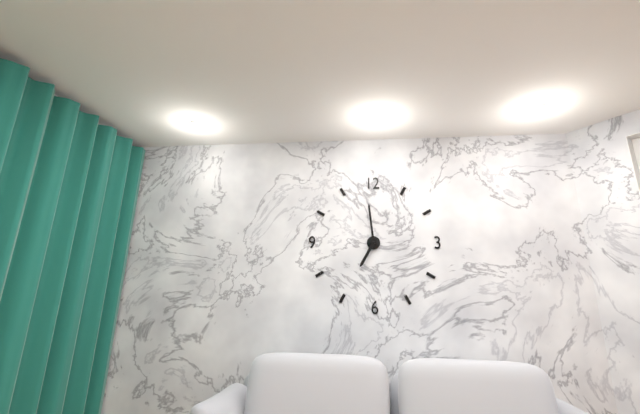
6h59
